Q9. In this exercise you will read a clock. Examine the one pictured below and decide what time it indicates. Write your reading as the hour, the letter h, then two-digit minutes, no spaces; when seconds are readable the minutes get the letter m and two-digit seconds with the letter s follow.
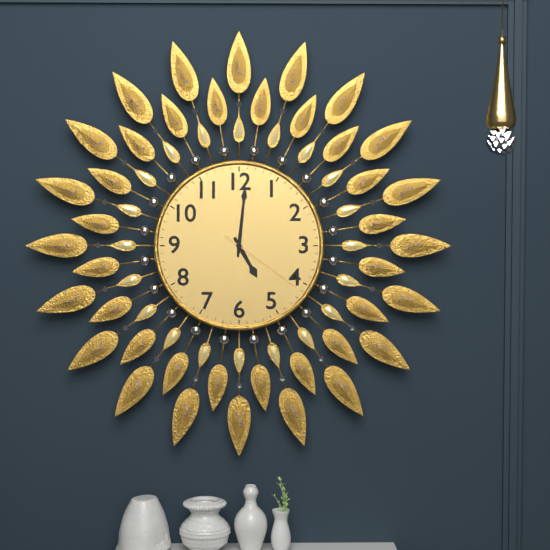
5h01m21s
